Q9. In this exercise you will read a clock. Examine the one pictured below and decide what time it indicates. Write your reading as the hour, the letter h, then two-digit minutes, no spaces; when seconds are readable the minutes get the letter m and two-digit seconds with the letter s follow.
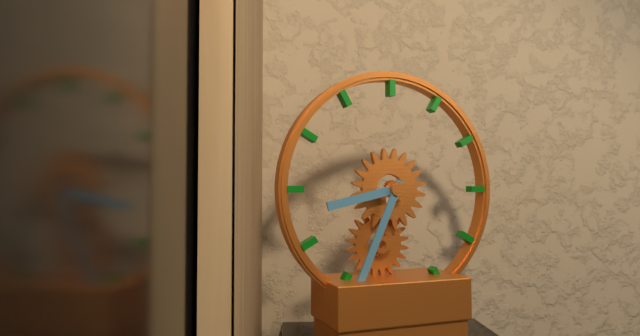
8h34
